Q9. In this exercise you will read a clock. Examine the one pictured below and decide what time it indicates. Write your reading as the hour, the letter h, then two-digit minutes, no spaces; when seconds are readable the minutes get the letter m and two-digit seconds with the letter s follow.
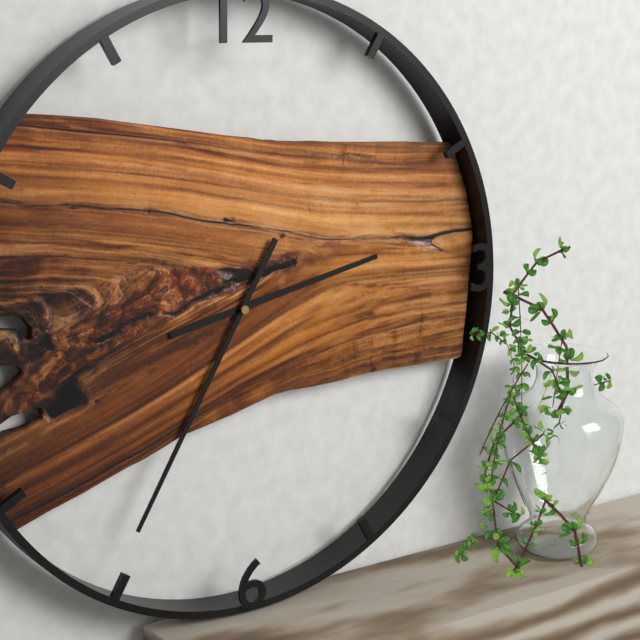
2h35
